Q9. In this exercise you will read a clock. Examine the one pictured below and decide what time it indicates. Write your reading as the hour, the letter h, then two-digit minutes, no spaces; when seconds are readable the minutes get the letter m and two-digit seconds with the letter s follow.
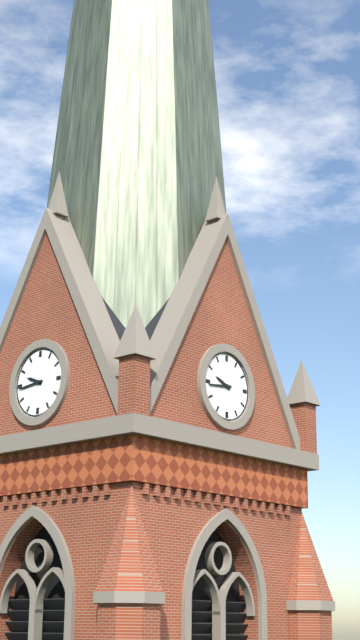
9h44
